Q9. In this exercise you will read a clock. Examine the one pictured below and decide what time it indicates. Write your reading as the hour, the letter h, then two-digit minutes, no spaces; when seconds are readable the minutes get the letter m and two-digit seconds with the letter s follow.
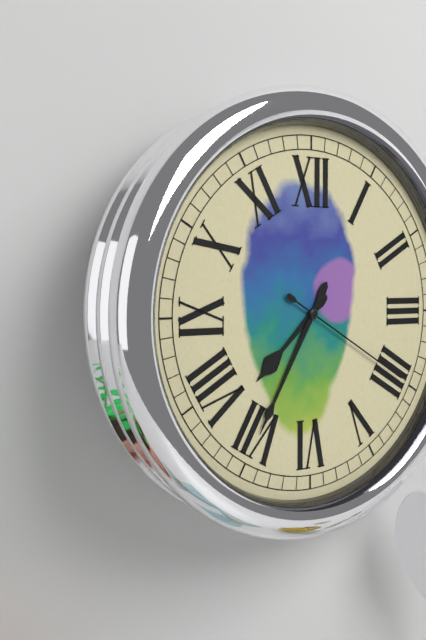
7h35m20s
